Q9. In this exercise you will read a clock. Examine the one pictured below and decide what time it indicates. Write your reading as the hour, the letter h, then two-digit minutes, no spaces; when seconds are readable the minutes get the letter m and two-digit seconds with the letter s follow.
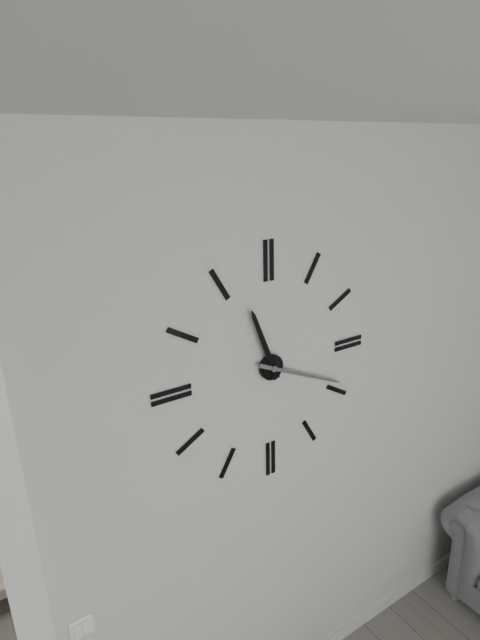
11h19
